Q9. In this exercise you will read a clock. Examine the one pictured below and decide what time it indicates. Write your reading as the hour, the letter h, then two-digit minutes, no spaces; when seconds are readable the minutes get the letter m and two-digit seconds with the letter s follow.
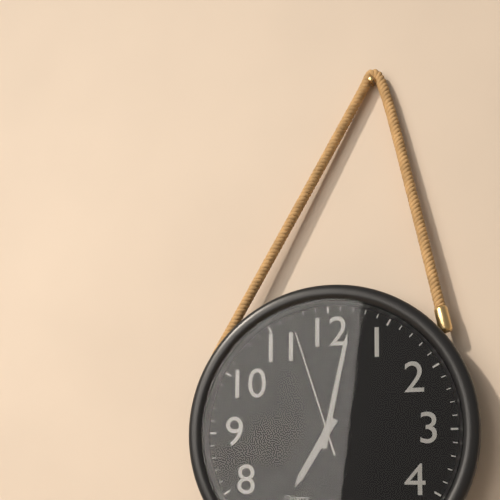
7h02m57s
